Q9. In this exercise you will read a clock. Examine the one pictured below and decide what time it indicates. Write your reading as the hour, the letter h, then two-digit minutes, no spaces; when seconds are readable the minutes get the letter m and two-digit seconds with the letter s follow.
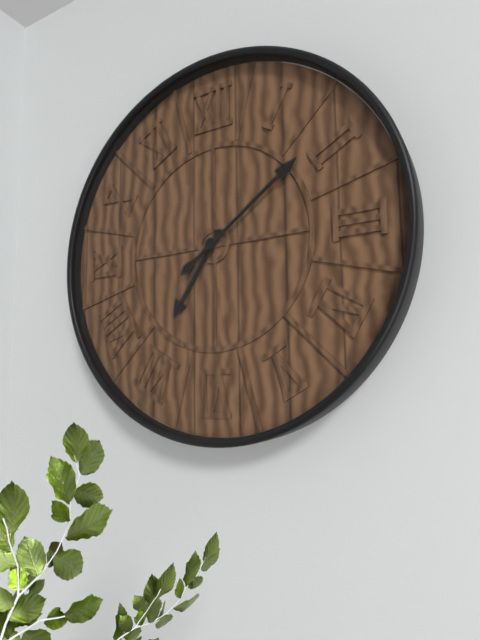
7h09
